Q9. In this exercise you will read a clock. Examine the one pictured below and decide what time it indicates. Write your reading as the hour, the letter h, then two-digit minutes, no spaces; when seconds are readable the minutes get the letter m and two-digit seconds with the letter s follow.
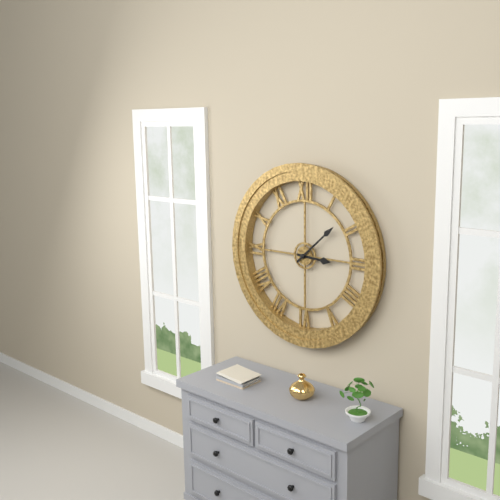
3h08
